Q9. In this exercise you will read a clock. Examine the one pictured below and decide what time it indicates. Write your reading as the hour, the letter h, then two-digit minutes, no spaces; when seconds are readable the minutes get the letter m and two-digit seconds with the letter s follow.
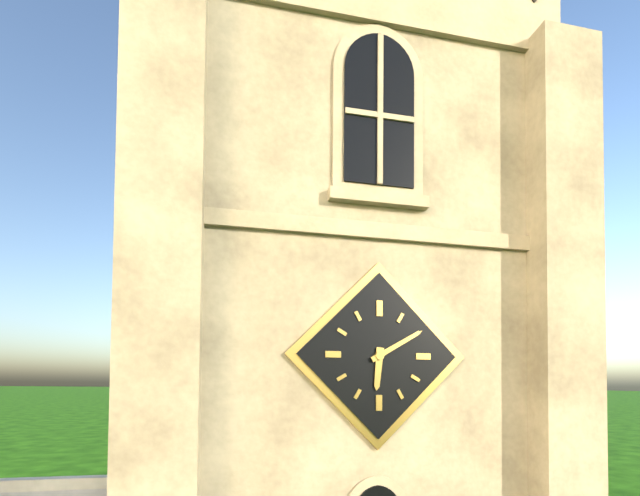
6h10
